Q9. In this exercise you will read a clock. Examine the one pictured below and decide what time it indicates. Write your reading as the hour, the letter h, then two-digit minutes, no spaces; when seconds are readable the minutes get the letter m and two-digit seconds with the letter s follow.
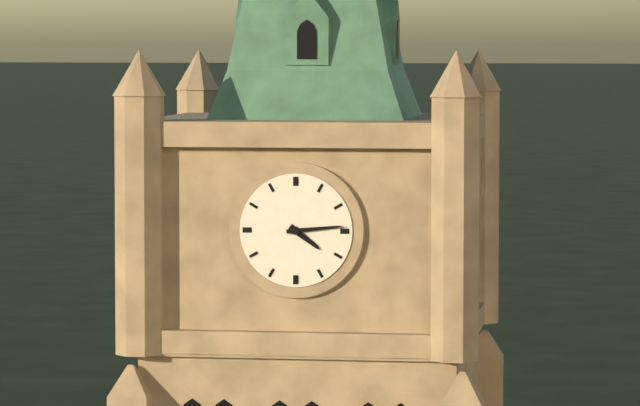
4h14
